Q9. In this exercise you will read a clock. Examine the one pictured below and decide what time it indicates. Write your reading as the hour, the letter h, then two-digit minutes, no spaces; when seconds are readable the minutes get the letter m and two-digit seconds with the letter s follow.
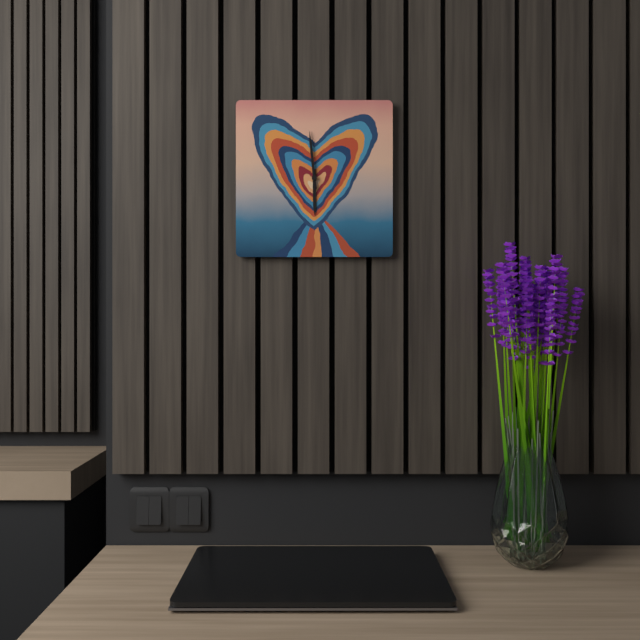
5h59
